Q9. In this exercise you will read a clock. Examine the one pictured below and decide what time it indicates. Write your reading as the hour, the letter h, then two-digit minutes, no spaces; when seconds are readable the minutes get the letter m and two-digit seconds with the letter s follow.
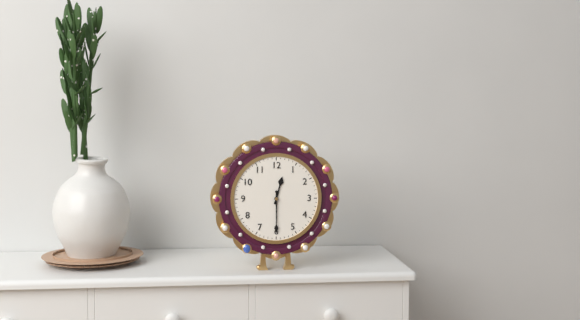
12h30
